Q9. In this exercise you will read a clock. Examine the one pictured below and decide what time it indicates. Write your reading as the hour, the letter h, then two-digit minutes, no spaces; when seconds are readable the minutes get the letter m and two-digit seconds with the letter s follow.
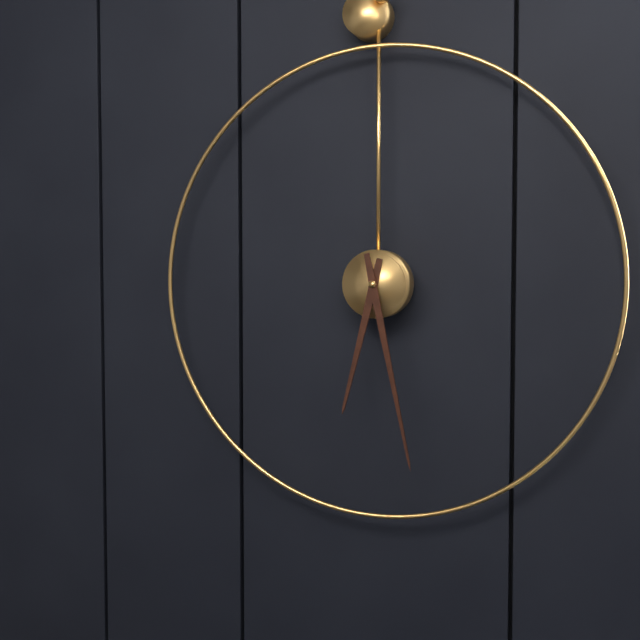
6h28
